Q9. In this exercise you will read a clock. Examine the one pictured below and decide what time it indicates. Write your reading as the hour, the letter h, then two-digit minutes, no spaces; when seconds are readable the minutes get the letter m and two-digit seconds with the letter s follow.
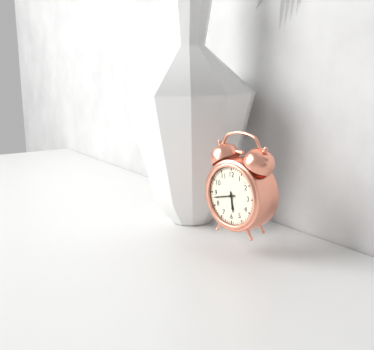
5h43
